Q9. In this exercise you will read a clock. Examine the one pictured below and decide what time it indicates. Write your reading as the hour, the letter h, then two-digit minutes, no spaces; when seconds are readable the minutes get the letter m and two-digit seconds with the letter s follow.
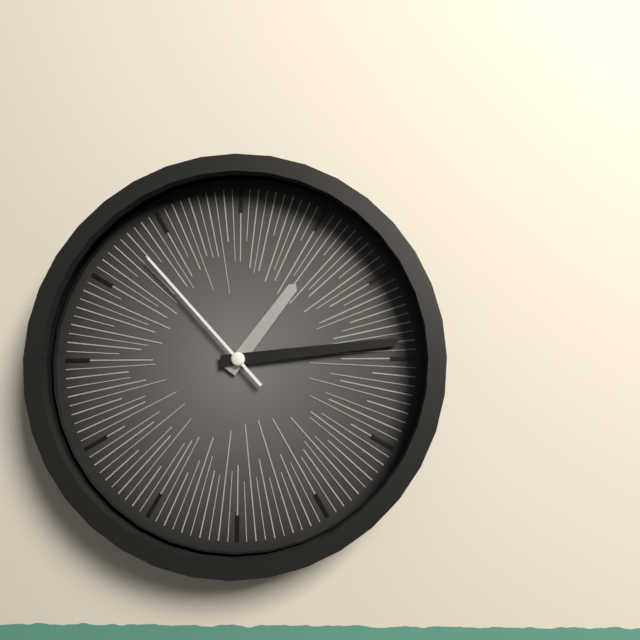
1h14m53s
